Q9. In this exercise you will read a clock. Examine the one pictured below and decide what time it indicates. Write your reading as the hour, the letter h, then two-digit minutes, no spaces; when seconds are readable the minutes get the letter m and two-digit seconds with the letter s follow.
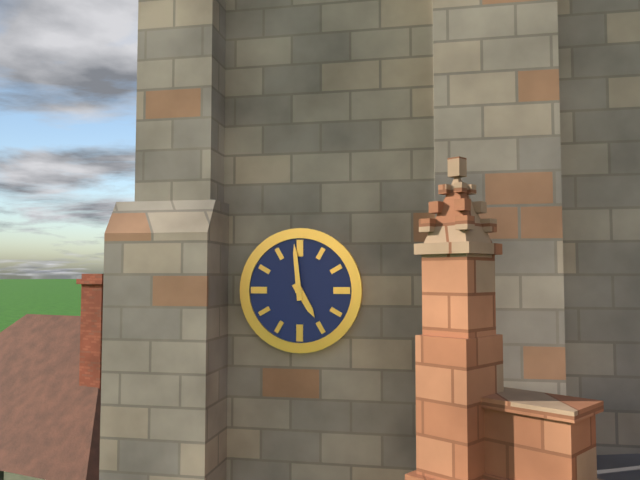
4h59
